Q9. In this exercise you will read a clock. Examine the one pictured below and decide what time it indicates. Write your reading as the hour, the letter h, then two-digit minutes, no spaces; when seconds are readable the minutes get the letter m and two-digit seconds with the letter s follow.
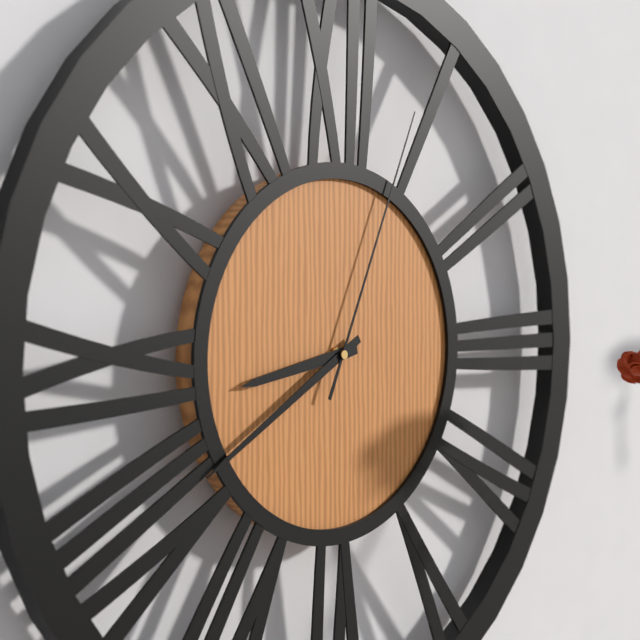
8h40m04s
